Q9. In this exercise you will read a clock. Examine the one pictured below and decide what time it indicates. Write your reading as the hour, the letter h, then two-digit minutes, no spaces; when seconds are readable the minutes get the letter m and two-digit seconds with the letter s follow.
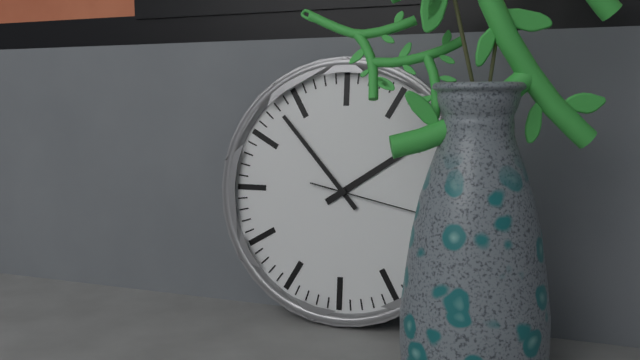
1h53m17s
